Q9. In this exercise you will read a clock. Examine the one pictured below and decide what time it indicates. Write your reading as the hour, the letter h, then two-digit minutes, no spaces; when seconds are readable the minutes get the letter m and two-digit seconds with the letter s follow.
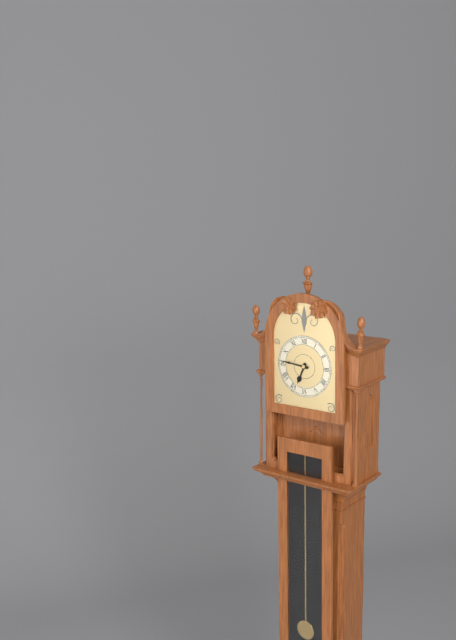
6h46
